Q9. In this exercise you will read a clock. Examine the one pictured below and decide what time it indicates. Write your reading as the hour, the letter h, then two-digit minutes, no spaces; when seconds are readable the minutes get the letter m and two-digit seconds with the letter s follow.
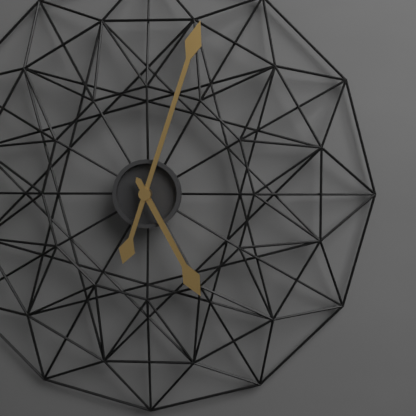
5h03
